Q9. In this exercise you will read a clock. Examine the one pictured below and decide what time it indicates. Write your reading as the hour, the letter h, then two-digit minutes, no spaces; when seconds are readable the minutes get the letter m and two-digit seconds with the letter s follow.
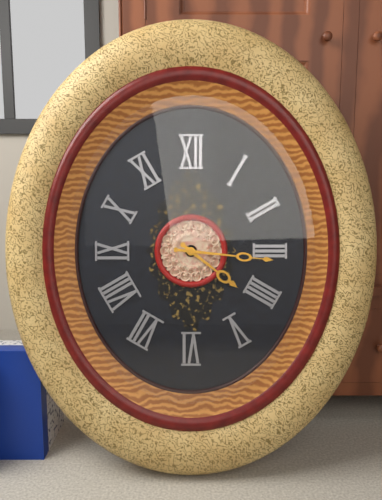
4h16
